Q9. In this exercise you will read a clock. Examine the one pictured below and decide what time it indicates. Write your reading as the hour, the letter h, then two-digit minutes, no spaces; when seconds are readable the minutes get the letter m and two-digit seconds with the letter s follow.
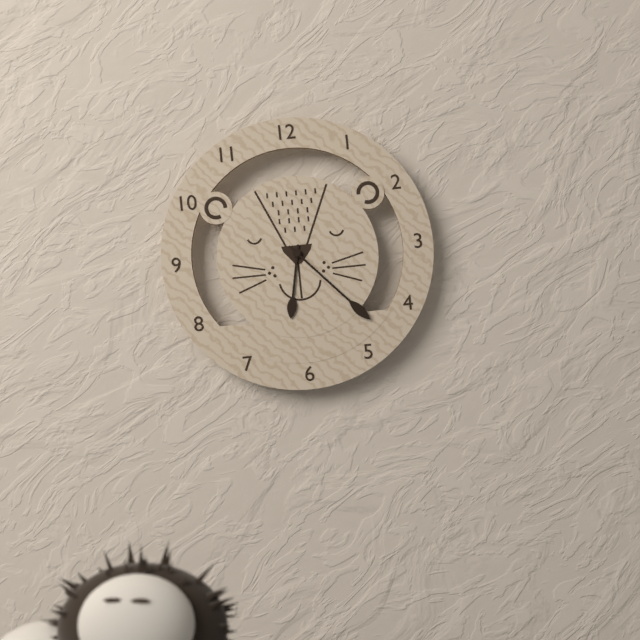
6h23
